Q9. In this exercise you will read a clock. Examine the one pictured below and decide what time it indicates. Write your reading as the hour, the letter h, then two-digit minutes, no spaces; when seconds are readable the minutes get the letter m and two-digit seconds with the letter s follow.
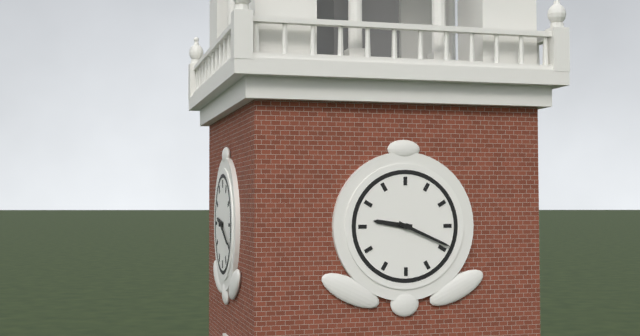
9h19
